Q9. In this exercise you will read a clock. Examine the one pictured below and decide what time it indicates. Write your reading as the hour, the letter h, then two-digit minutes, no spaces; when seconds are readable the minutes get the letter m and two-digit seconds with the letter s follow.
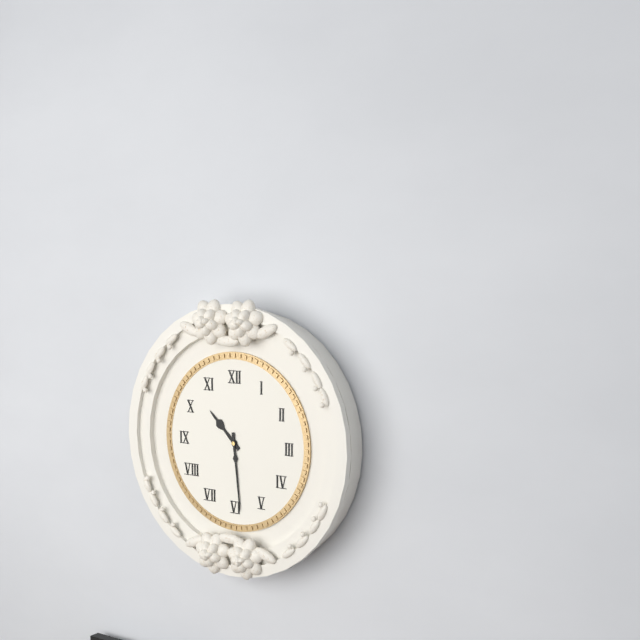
10h29
